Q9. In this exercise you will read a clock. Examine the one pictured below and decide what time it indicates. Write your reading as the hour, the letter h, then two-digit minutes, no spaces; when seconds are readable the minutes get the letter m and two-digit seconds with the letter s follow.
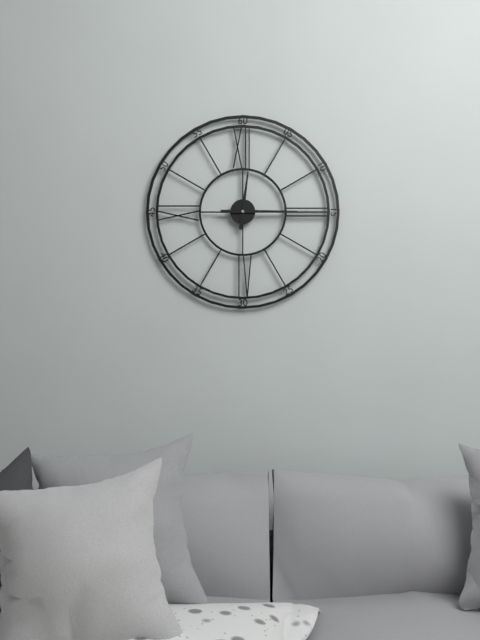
12h15
